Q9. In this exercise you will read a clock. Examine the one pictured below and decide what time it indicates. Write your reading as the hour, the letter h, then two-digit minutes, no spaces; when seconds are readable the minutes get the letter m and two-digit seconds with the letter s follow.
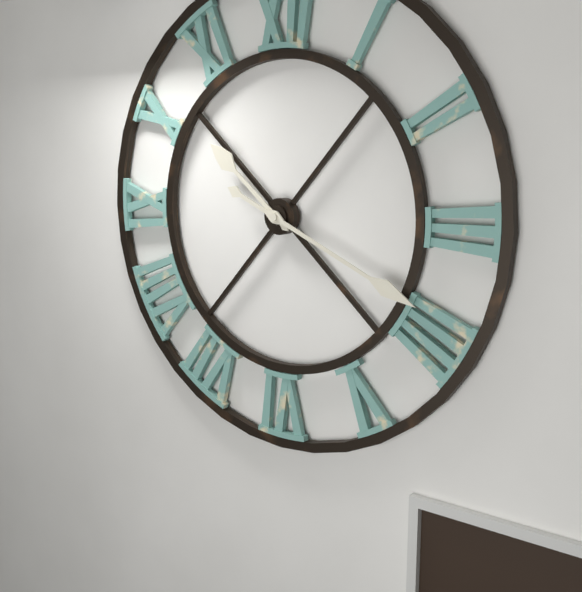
10h19
